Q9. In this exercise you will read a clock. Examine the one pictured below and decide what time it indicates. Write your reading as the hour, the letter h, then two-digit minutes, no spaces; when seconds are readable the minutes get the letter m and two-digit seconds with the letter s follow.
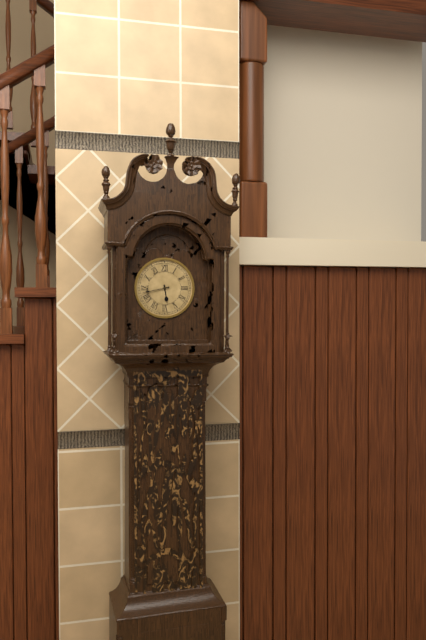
5h43
